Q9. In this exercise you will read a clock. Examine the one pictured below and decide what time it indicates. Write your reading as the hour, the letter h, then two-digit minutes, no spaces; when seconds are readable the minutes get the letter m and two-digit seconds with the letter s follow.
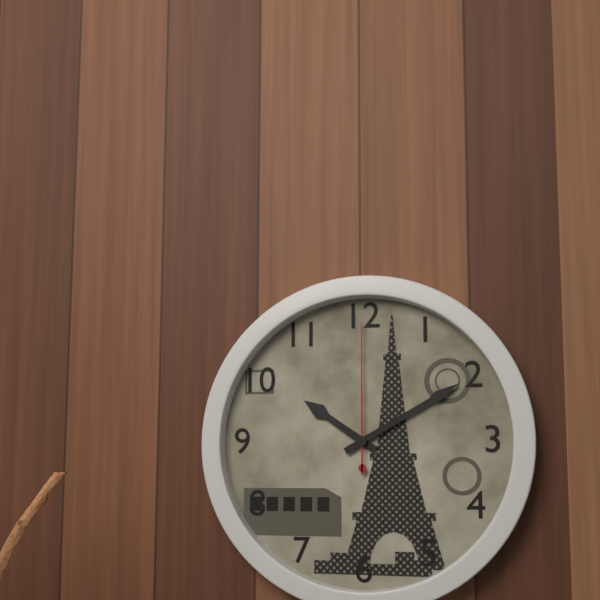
10h10m00s
